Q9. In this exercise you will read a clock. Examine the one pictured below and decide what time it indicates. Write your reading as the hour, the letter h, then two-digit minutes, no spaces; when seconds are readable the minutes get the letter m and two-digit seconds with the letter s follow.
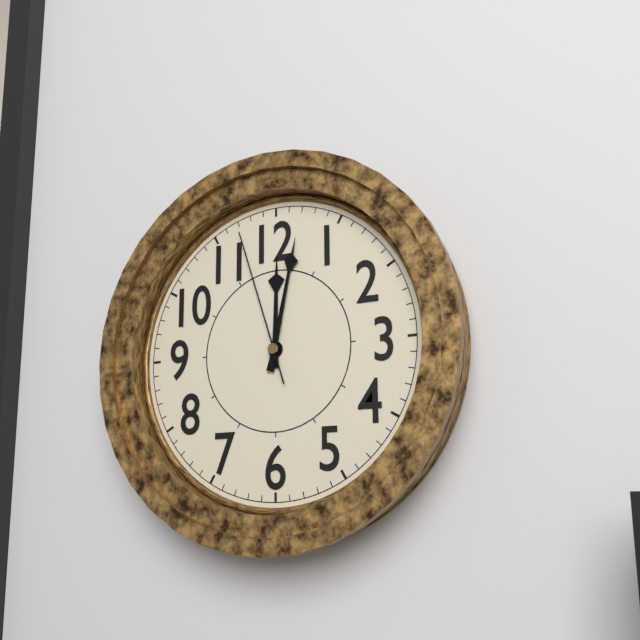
12h02m57s
